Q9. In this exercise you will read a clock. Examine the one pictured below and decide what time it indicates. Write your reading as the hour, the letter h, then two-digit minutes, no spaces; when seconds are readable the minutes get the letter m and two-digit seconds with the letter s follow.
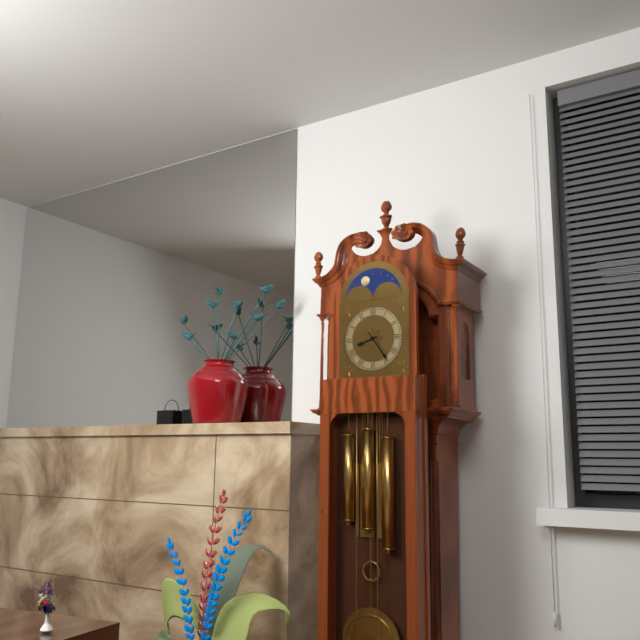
8h24
